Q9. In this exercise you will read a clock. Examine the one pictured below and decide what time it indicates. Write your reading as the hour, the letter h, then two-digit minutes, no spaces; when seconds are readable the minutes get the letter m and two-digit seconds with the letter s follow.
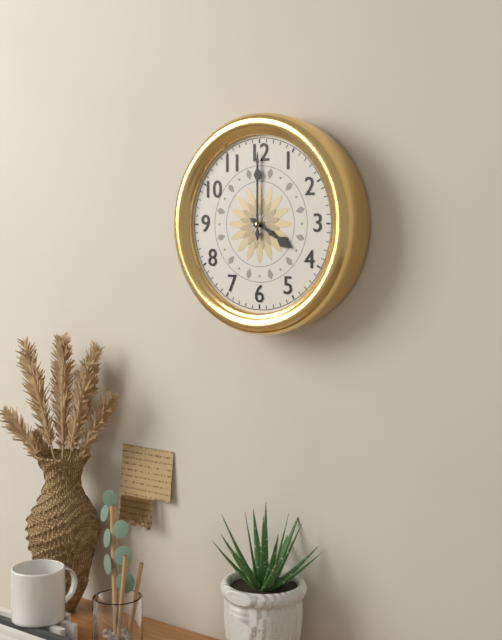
4h00
